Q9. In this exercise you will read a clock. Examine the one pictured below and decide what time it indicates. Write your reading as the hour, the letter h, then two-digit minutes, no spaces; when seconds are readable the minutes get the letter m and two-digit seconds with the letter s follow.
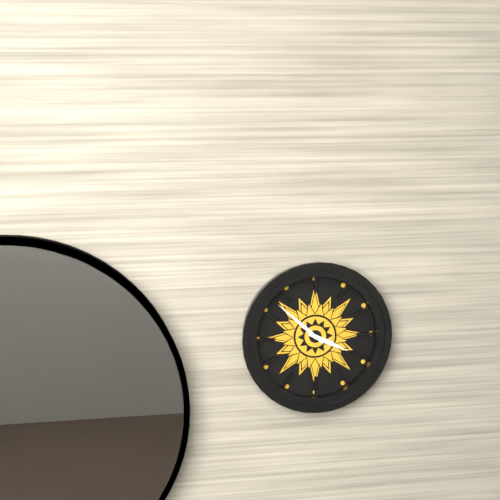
3h52
